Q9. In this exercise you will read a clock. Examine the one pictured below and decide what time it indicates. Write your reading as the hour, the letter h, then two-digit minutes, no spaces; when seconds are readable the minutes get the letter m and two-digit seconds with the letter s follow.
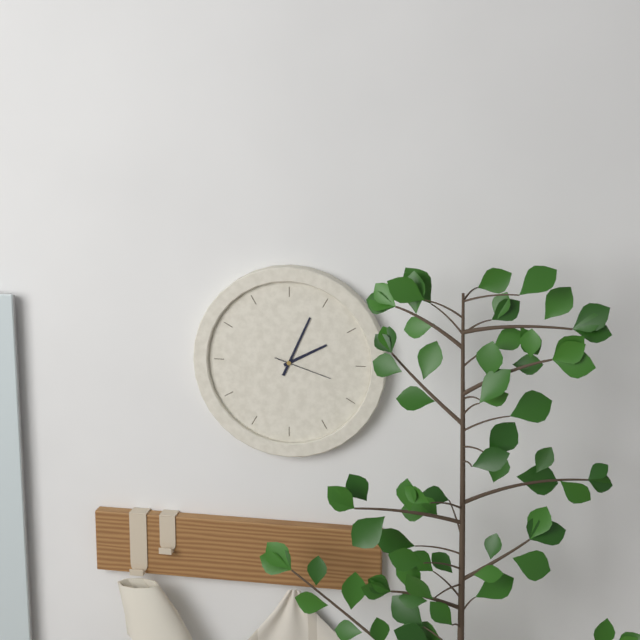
2h04m18s
